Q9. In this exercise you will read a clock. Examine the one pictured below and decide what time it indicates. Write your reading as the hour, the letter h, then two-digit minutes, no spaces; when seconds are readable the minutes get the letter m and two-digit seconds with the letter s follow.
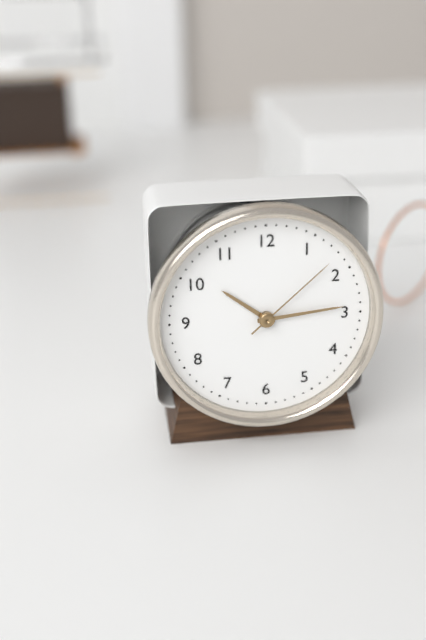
10h14m08s
